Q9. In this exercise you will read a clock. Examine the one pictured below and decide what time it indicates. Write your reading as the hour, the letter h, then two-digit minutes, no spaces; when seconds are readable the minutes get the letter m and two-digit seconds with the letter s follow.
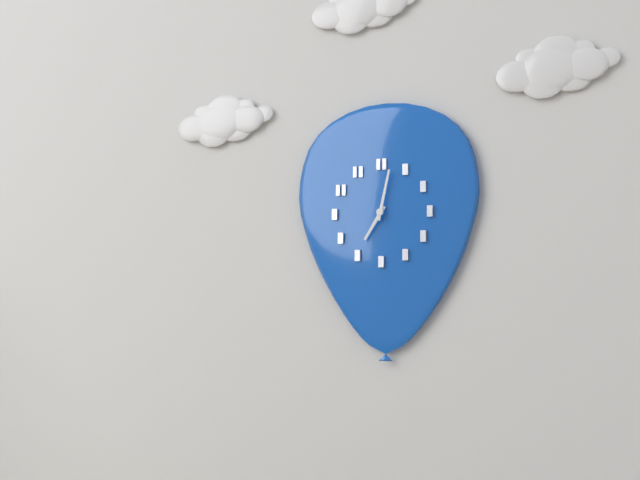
7h02
